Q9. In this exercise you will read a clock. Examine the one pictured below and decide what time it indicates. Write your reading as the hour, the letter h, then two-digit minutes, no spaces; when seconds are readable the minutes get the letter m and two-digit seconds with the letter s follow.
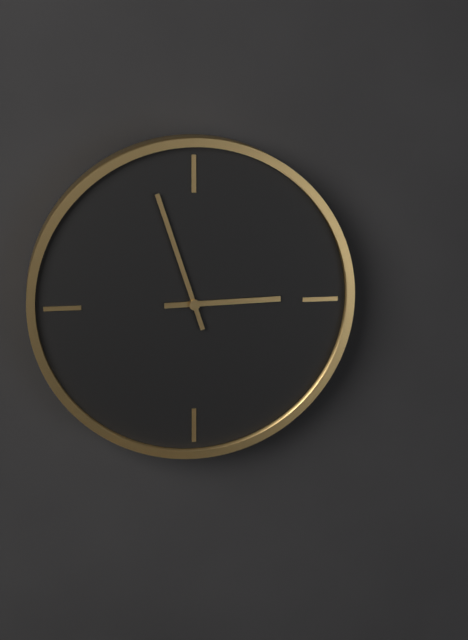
2h57
